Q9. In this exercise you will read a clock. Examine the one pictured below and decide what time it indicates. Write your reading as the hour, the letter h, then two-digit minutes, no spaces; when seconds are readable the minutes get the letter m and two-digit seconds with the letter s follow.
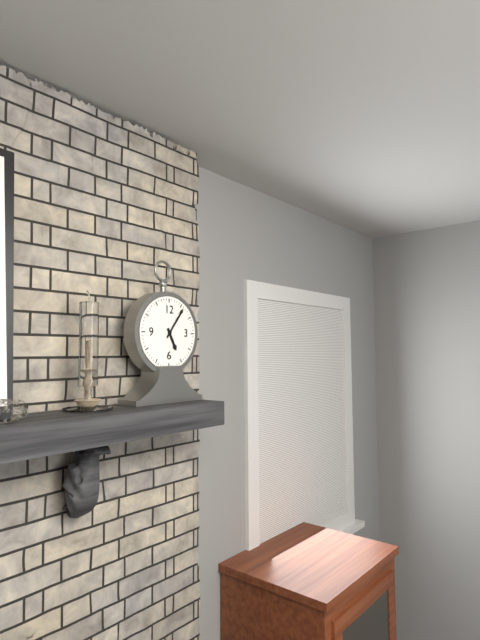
5h06
